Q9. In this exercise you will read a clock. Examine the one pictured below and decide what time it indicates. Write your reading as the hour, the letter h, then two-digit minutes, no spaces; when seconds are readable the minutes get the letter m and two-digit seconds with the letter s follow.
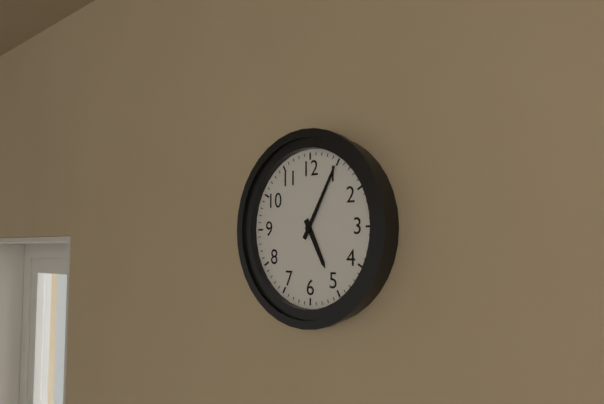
5h05
